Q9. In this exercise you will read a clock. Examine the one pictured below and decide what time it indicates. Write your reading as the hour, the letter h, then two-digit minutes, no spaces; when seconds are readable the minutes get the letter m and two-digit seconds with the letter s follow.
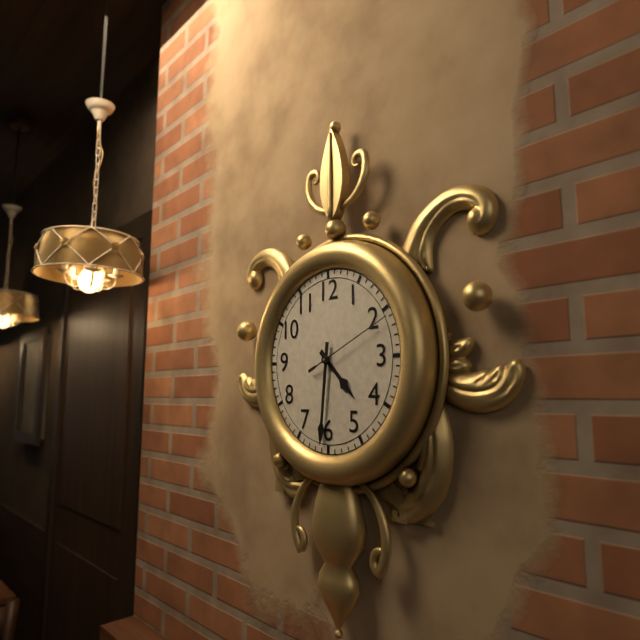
4h31m11s
